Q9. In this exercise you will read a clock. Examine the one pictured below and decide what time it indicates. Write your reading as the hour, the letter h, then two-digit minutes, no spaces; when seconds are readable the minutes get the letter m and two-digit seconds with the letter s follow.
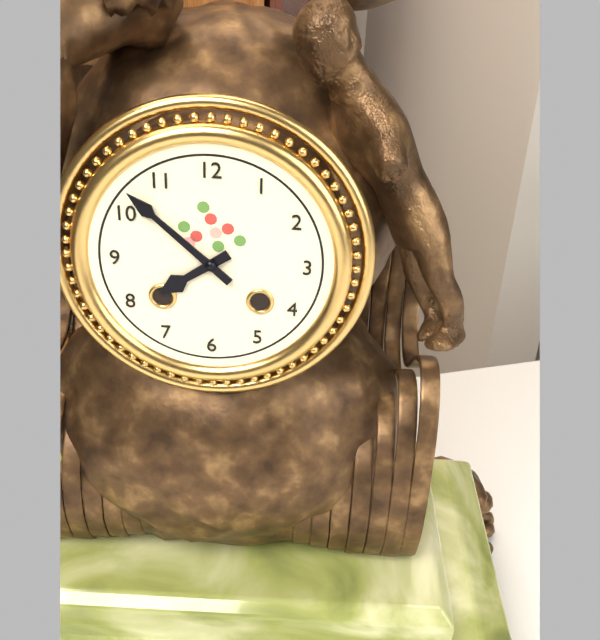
7h52
